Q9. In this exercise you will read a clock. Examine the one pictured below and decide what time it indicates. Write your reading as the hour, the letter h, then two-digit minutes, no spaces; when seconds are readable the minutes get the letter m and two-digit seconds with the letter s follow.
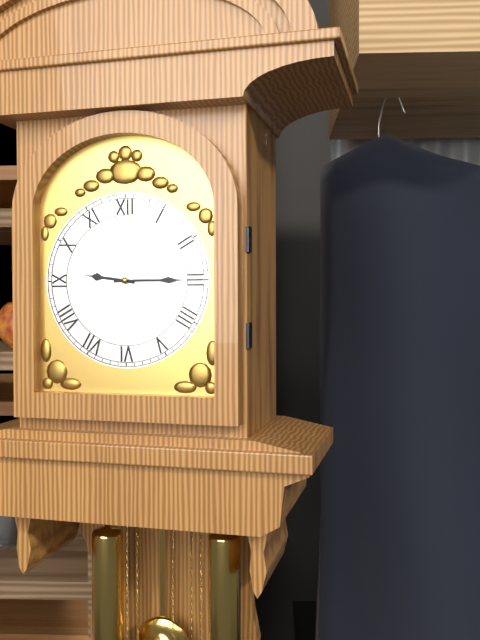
9h15
